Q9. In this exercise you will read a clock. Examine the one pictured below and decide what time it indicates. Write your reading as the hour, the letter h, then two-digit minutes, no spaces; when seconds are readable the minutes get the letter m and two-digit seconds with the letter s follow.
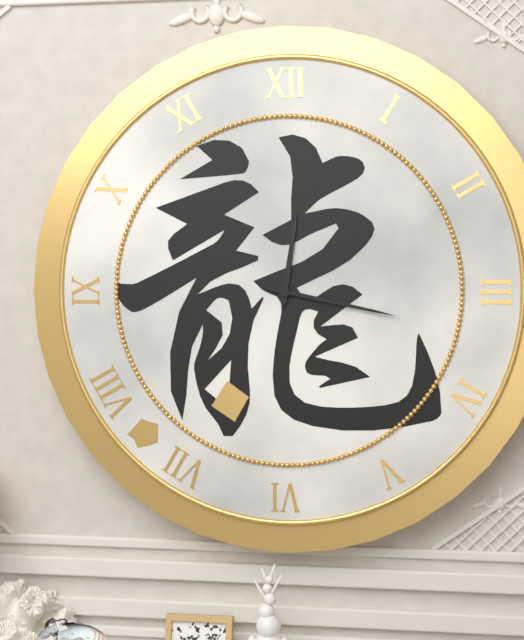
12h17
